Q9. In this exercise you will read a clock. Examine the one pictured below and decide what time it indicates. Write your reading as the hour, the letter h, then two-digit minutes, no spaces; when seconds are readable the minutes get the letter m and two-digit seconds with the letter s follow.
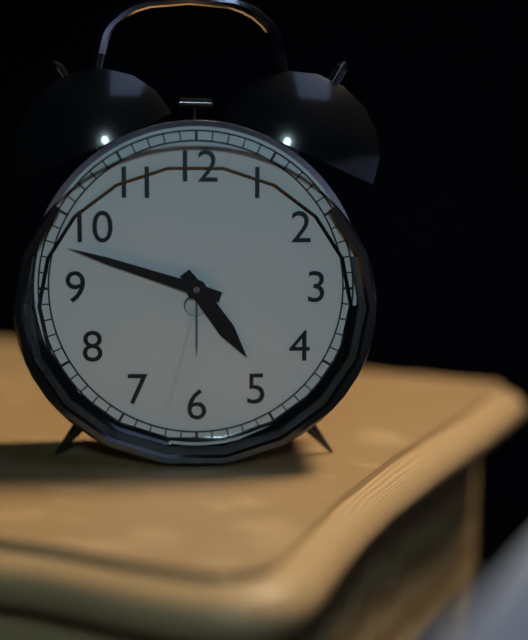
4h48
